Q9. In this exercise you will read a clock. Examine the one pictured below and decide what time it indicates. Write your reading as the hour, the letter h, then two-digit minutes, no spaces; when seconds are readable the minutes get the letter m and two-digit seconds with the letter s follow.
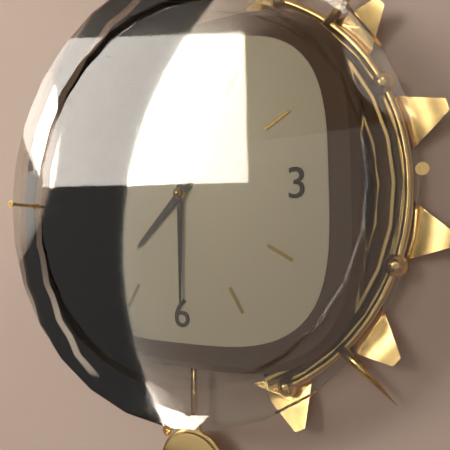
7h30
